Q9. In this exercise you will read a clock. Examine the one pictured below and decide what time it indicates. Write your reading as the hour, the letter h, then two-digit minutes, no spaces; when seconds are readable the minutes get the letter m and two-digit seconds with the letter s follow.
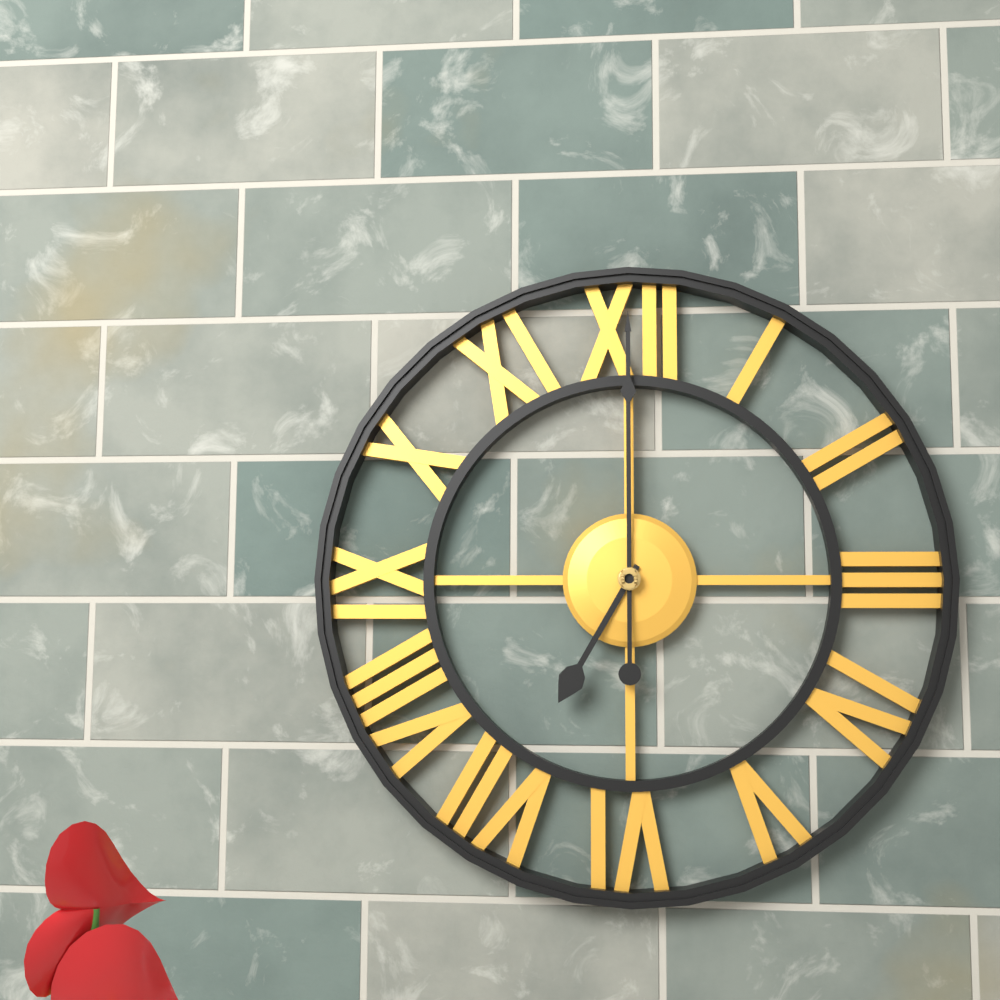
7h00
